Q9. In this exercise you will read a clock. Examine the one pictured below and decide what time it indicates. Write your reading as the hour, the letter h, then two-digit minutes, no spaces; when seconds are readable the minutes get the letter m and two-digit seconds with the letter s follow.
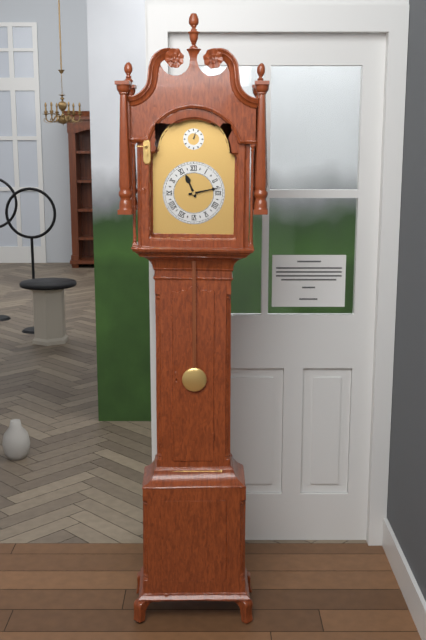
11h13
